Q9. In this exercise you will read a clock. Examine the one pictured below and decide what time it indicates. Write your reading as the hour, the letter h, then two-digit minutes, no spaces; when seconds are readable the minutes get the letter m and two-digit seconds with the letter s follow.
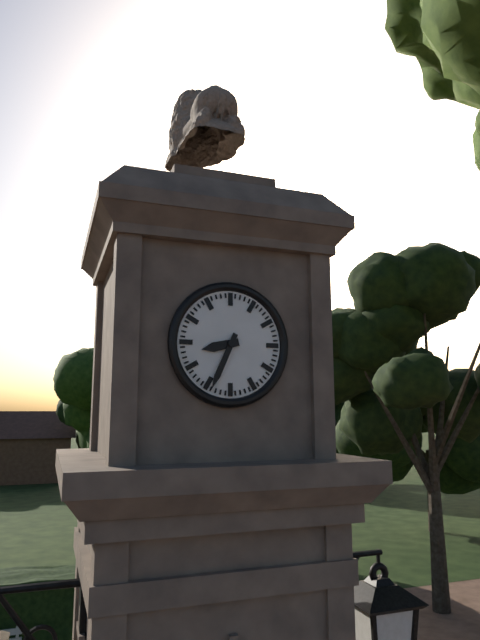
8h34
